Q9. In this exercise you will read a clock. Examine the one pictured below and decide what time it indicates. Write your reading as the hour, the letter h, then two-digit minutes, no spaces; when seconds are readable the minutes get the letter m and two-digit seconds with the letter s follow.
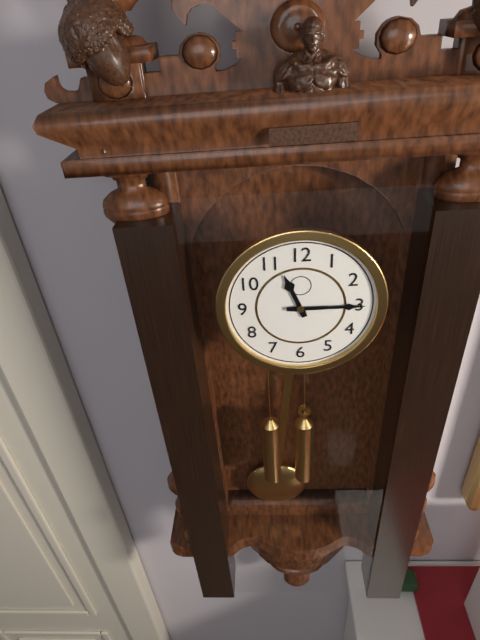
11h15
